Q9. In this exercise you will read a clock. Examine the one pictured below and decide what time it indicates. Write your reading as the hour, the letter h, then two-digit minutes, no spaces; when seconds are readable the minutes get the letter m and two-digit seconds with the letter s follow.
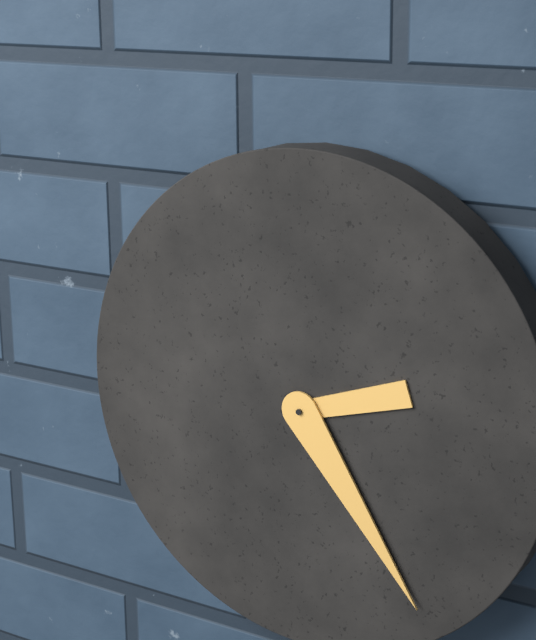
2h24
